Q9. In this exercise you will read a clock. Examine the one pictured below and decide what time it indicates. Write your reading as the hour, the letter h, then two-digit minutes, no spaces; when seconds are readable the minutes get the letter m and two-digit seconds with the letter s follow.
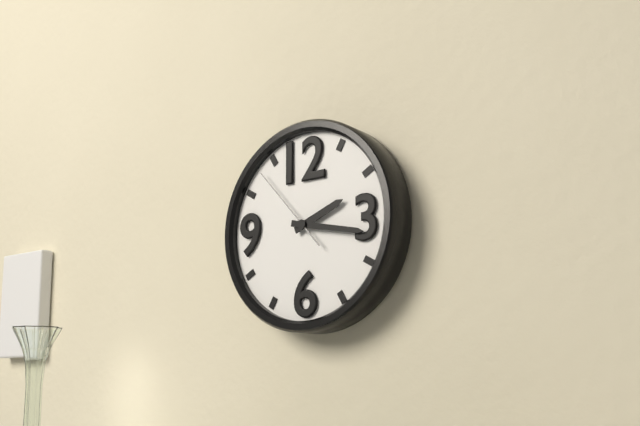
2h17m53s
